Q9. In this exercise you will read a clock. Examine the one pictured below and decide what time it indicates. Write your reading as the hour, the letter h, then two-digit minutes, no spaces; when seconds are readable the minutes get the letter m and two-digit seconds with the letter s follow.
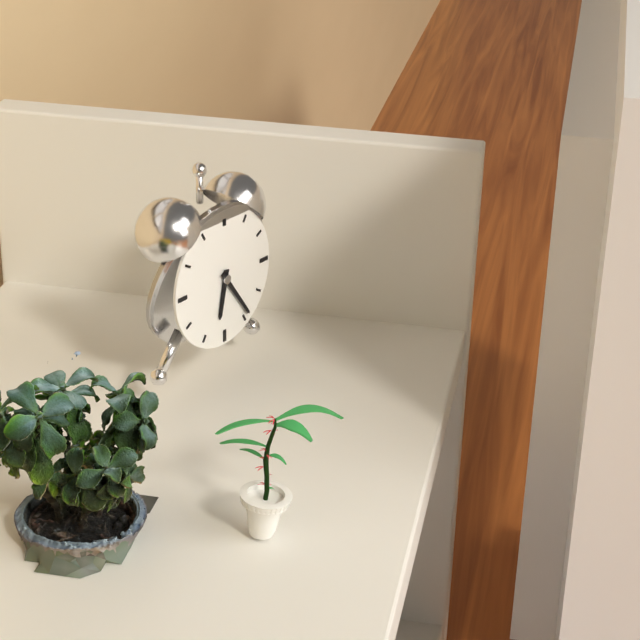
6h24
